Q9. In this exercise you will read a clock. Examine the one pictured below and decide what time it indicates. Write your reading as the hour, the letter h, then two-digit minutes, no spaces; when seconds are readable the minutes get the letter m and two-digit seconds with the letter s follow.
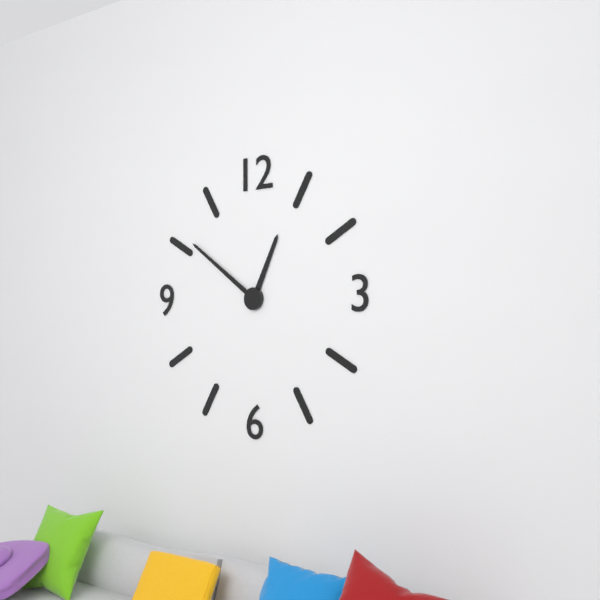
12h51
